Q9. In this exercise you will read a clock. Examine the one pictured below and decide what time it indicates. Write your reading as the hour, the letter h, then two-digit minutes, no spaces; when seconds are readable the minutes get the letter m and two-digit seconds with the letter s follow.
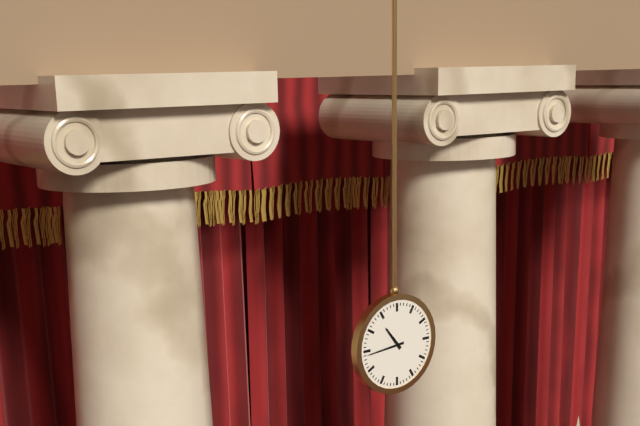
10h44
